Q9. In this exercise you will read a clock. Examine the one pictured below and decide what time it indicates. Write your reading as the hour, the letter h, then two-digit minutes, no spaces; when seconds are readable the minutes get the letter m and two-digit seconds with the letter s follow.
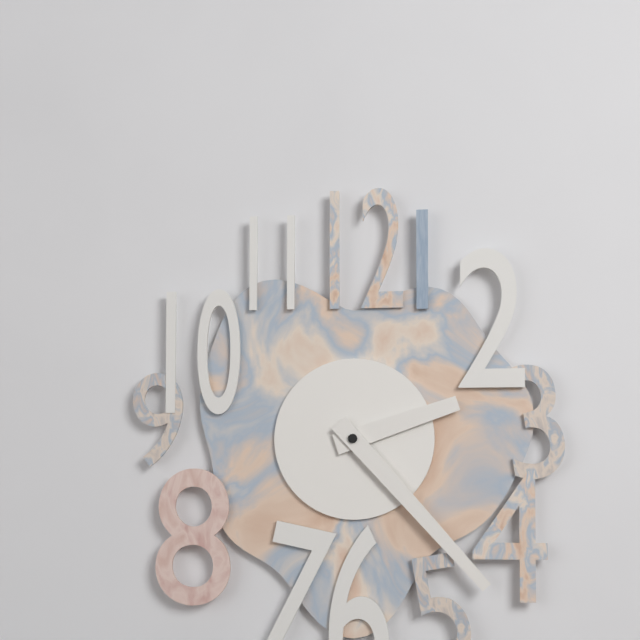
2h23
